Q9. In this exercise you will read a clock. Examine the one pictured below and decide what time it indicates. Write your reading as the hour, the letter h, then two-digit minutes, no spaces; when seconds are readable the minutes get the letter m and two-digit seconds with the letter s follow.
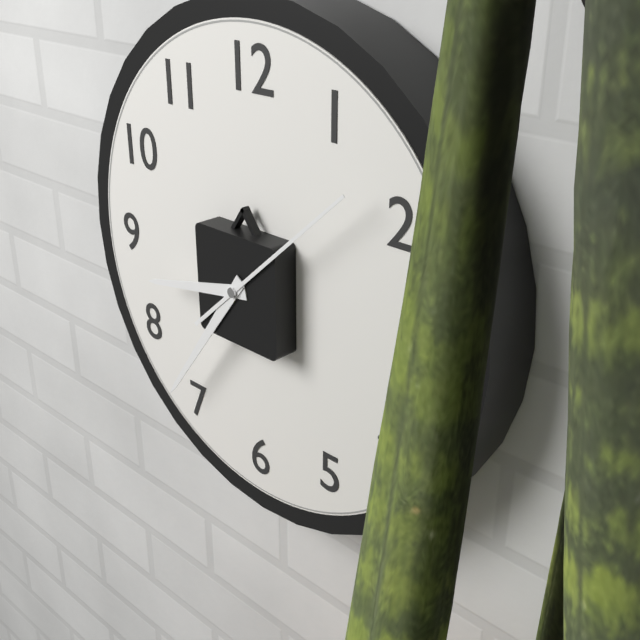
8h36m08s
